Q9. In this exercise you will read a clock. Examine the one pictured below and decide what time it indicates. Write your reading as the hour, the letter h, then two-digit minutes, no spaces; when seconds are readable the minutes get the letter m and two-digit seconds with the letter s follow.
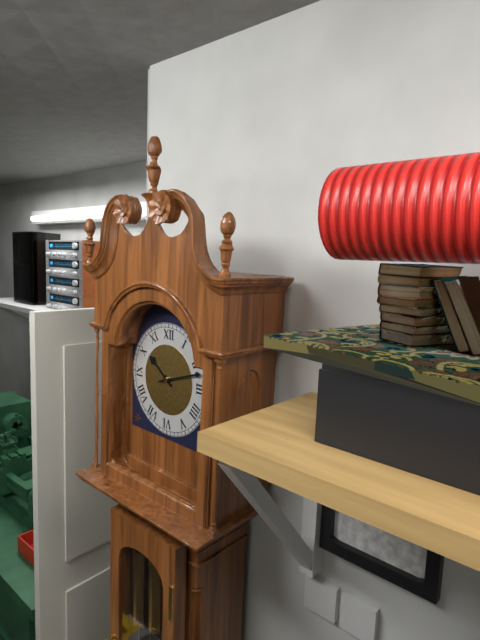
10h12
